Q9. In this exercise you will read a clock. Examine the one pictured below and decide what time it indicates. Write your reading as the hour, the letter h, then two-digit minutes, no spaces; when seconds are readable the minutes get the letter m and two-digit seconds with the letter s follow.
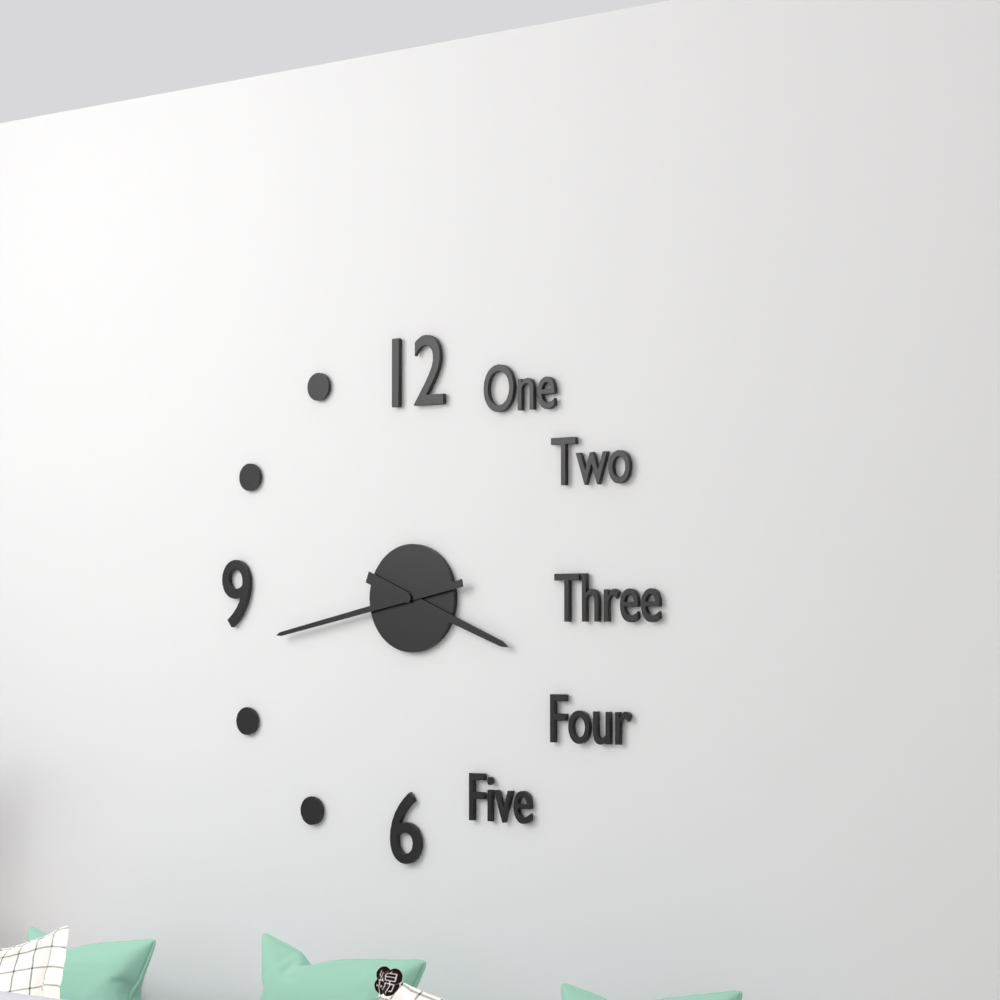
3h43
